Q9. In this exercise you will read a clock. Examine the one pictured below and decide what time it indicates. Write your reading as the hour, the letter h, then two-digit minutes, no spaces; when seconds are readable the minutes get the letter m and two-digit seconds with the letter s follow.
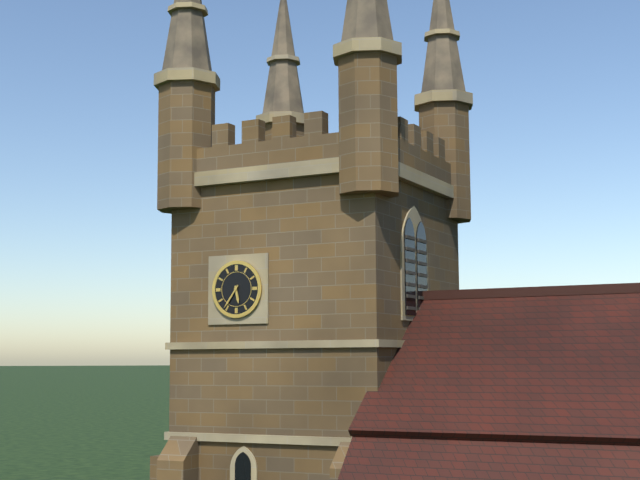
5h36
